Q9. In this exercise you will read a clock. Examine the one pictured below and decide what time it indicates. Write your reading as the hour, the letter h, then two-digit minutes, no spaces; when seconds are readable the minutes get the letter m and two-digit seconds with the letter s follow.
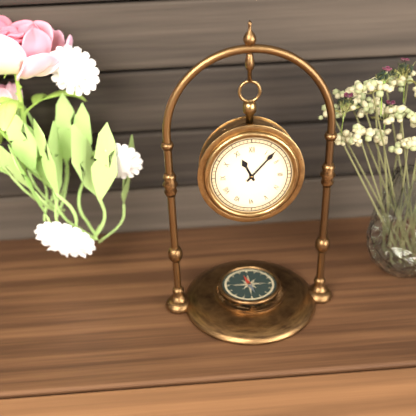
11h07
